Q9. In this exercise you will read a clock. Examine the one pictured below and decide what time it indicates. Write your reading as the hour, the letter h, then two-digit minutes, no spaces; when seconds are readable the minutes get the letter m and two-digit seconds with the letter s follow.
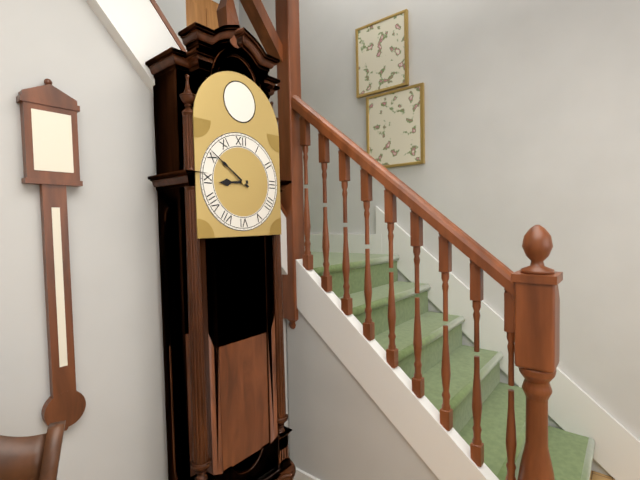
8h51
